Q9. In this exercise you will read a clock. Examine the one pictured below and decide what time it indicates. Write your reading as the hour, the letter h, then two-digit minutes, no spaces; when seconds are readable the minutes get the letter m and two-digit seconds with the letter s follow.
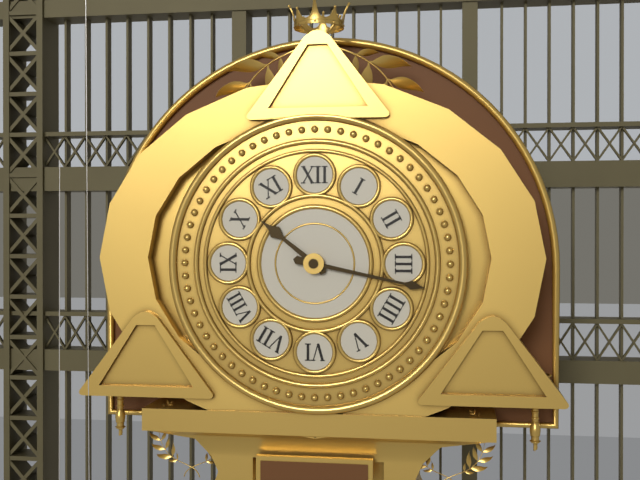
10h17
